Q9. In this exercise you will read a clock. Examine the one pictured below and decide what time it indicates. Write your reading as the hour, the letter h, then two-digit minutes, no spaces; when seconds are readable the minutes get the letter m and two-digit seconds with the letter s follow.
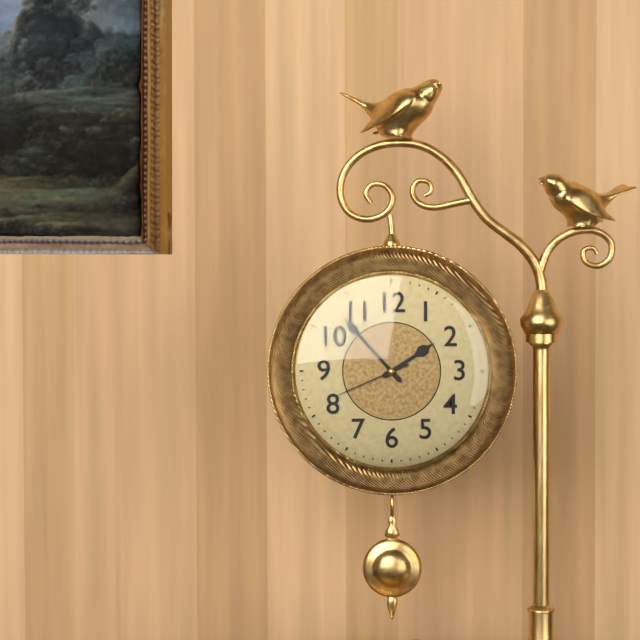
1h53m41s
